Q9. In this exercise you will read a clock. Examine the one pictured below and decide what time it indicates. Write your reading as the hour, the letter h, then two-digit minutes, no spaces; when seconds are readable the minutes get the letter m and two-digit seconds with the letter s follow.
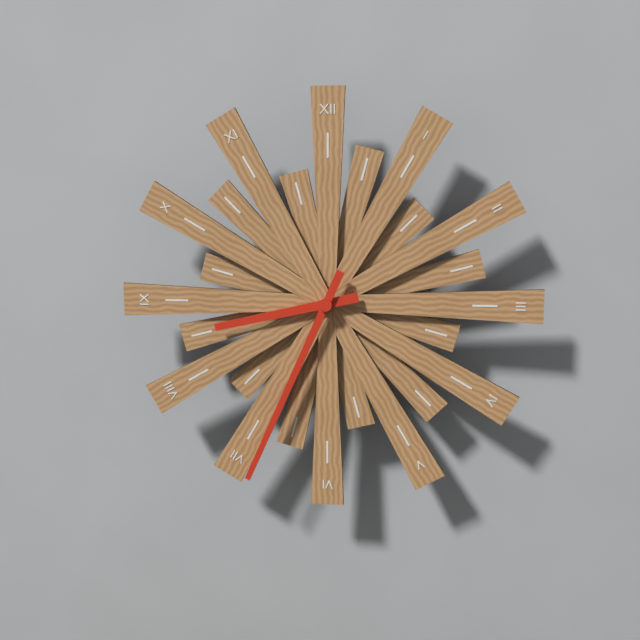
8h34
